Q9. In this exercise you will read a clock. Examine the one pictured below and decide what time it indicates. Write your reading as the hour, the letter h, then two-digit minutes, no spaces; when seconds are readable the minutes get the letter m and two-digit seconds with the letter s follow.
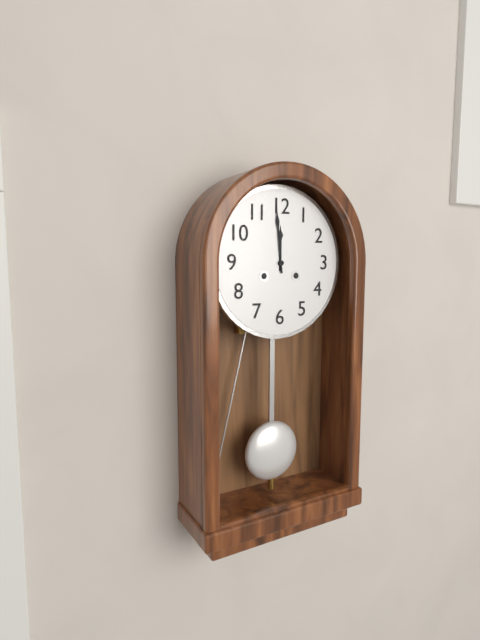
11h59
